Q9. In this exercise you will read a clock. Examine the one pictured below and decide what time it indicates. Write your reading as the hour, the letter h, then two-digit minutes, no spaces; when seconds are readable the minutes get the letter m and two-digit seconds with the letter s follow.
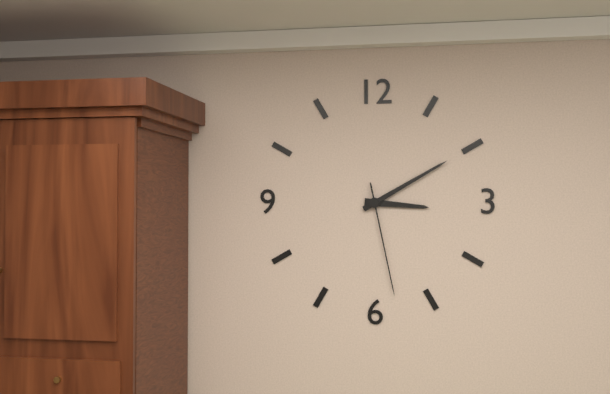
3h10m28s
